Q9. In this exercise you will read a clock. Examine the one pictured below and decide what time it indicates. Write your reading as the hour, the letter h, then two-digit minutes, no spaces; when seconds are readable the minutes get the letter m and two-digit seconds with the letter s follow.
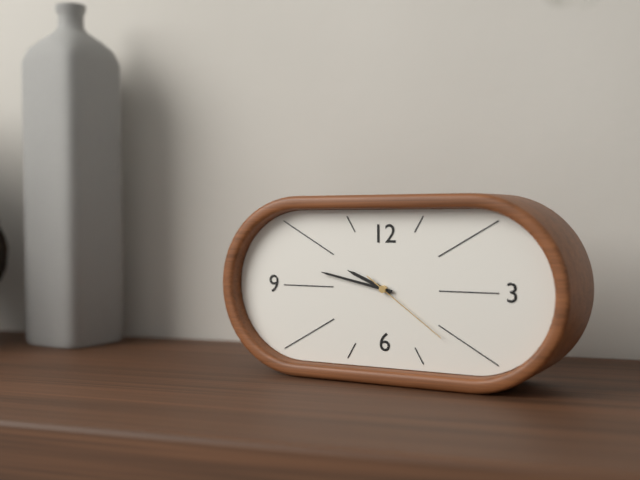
9h47m21s
